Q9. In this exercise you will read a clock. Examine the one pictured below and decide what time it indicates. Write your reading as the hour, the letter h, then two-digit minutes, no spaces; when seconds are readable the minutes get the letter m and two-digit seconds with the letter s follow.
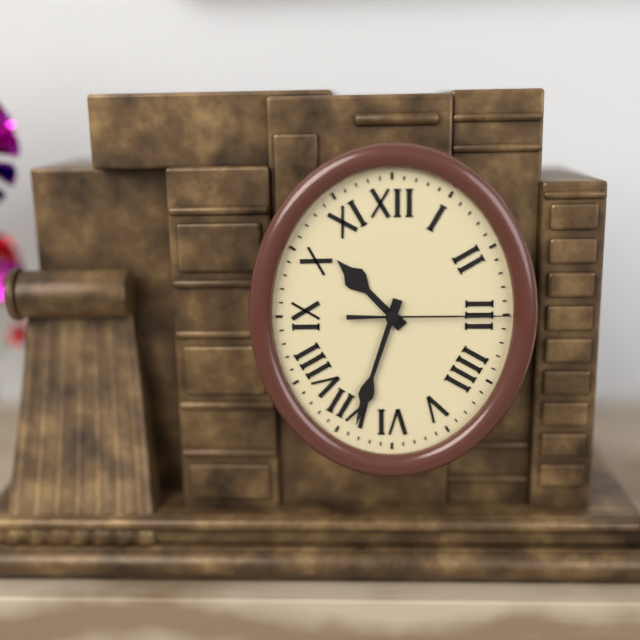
10h33m15s
